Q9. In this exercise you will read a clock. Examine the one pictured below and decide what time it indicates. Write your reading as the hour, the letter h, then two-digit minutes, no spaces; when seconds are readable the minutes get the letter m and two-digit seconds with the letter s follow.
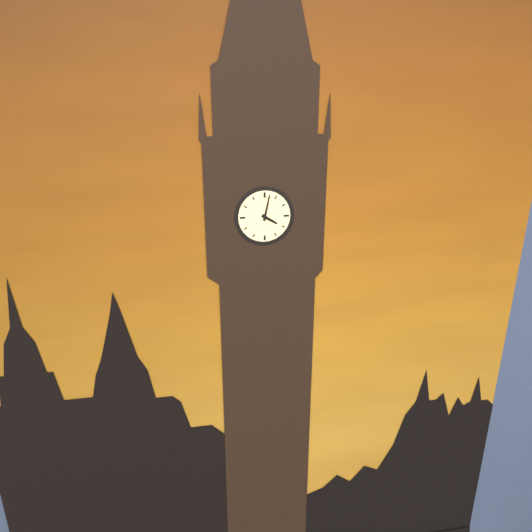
4h02
